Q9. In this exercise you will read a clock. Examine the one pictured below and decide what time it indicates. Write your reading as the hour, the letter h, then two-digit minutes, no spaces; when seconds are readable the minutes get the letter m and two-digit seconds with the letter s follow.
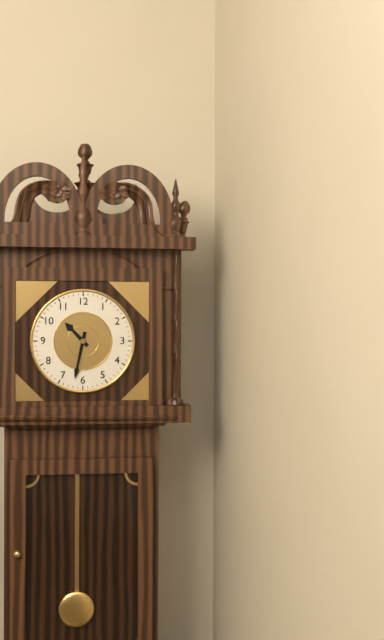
10h32
